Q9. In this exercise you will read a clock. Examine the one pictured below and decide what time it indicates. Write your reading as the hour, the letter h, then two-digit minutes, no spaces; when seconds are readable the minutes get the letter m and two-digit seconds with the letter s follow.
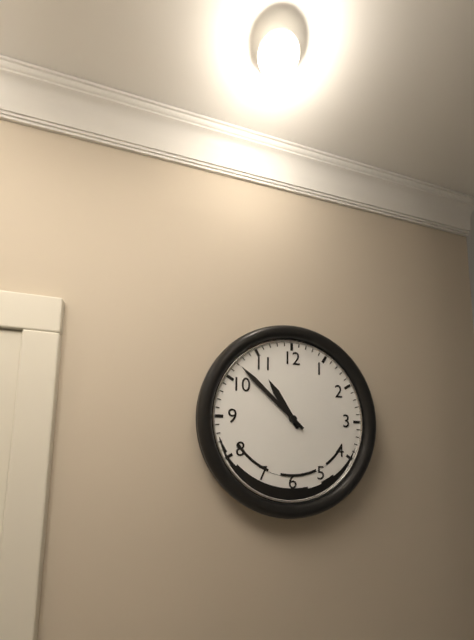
10h52
